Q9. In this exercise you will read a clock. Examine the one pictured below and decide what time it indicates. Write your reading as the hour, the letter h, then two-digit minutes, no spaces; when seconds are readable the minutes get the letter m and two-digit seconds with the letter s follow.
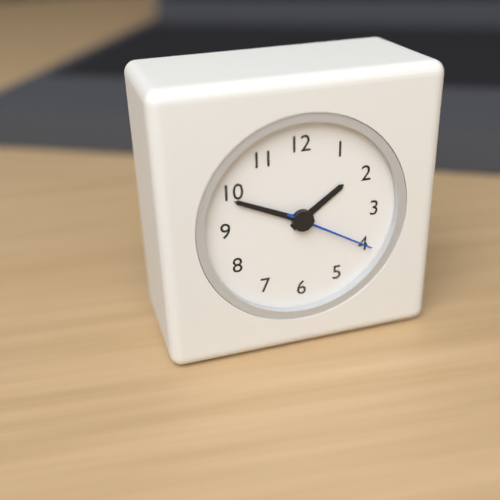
1h49m20s
